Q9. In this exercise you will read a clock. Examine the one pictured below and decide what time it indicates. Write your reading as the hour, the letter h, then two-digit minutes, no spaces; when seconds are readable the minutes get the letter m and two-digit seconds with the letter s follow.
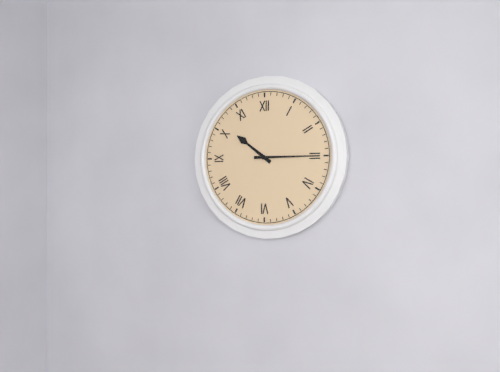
10h15
